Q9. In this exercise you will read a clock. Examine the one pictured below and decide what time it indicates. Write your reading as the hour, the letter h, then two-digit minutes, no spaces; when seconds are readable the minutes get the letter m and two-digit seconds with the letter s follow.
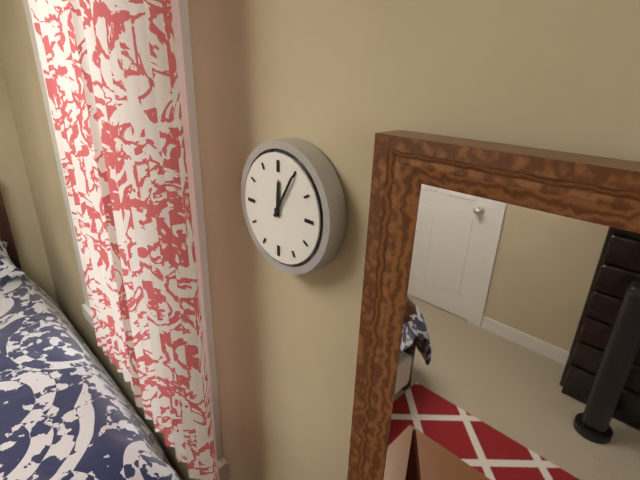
12h05
